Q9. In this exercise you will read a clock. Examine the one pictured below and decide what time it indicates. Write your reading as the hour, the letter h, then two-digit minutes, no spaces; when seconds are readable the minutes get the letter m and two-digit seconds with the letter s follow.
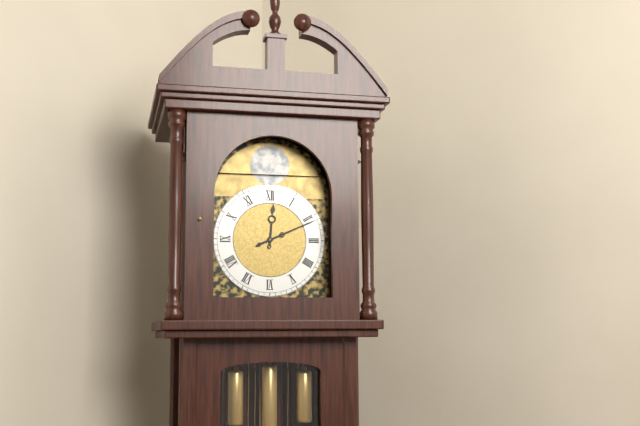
12h11
